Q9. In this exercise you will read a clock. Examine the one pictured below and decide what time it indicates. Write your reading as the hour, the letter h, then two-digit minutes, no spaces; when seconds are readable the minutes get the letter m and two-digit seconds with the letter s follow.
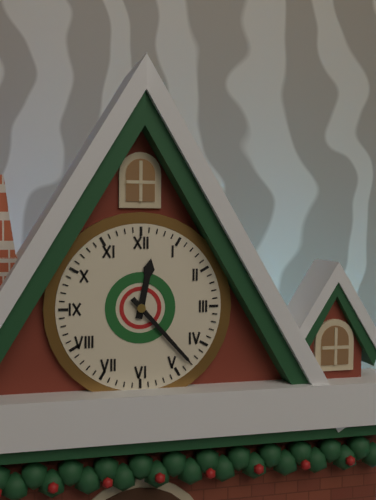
12h23
